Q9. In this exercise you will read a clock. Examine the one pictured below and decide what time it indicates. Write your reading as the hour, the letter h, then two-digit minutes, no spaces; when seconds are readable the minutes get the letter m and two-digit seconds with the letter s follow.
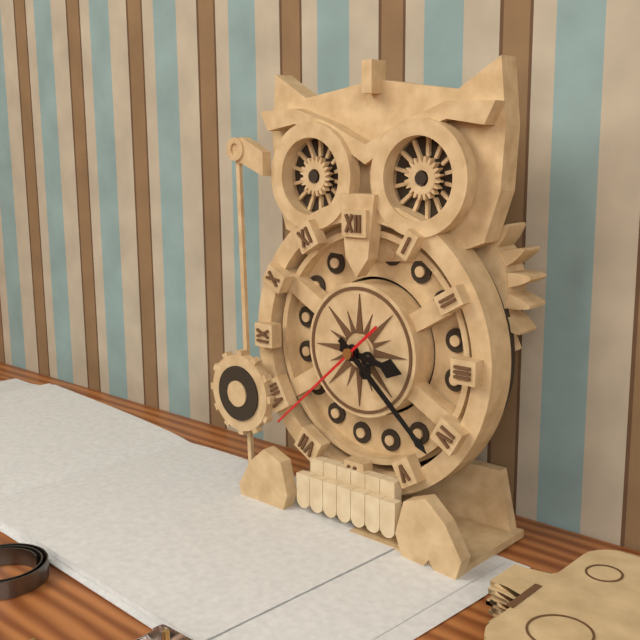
3h22m38s
